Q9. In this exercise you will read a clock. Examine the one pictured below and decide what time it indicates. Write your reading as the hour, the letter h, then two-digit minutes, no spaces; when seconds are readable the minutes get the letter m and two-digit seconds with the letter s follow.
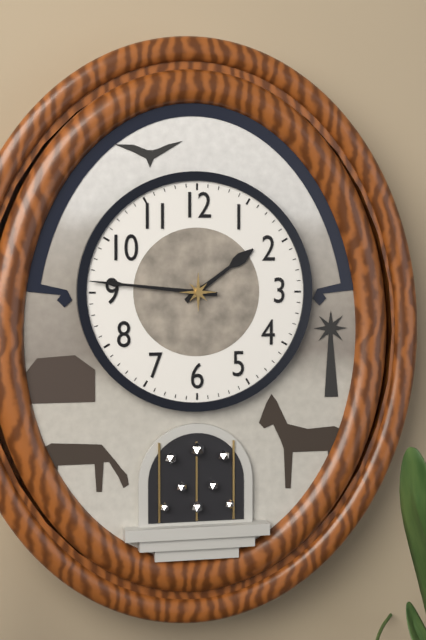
1h46
